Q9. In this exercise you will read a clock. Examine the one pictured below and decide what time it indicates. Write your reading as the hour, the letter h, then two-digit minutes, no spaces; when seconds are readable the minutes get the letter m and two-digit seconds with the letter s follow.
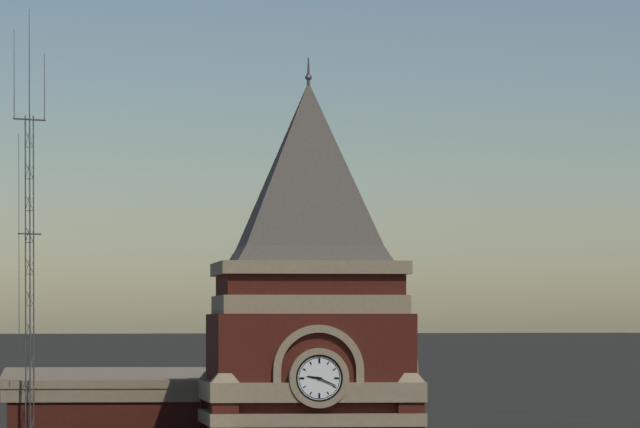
9h19
